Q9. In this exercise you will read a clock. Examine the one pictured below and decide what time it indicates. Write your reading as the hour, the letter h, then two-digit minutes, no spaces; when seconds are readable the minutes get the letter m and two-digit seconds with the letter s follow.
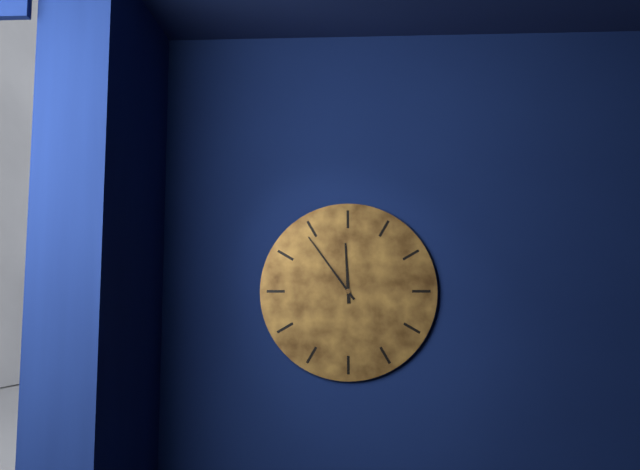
11h54
